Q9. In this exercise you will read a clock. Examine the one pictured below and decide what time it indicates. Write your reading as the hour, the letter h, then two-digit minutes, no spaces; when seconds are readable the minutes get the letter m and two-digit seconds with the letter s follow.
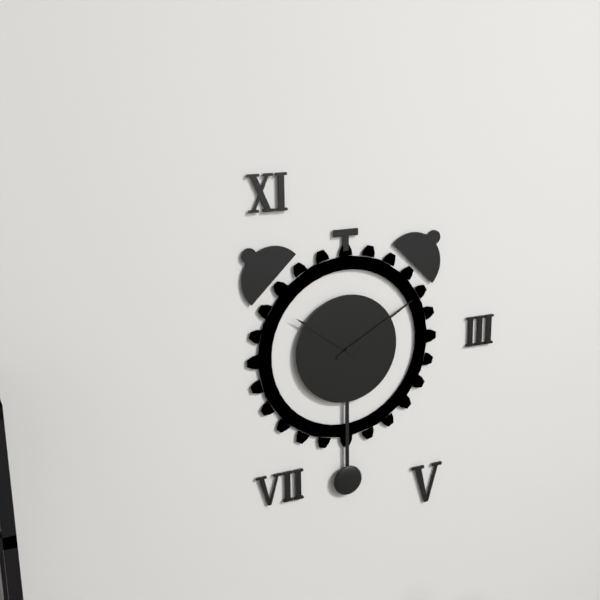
10h10
